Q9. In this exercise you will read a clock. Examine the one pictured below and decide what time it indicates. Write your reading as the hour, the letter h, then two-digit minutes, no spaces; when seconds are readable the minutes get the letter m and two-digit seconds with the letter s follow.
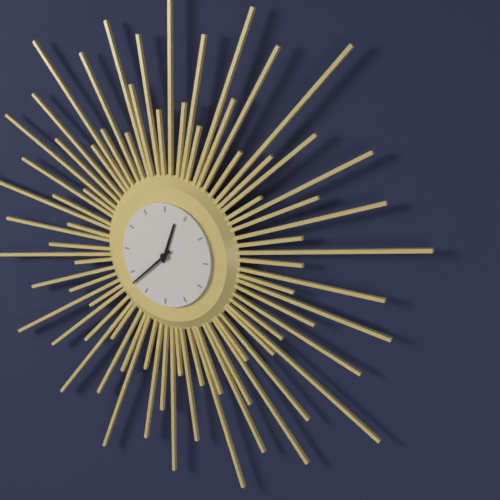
12h38
